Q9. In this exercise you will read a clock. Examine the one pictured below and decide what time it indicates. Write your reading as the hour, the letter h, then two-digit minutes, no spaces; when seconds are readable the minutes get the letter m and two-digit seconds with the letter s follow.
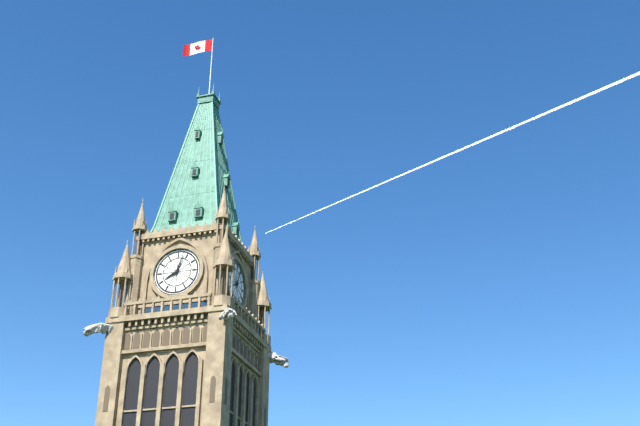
8h03
